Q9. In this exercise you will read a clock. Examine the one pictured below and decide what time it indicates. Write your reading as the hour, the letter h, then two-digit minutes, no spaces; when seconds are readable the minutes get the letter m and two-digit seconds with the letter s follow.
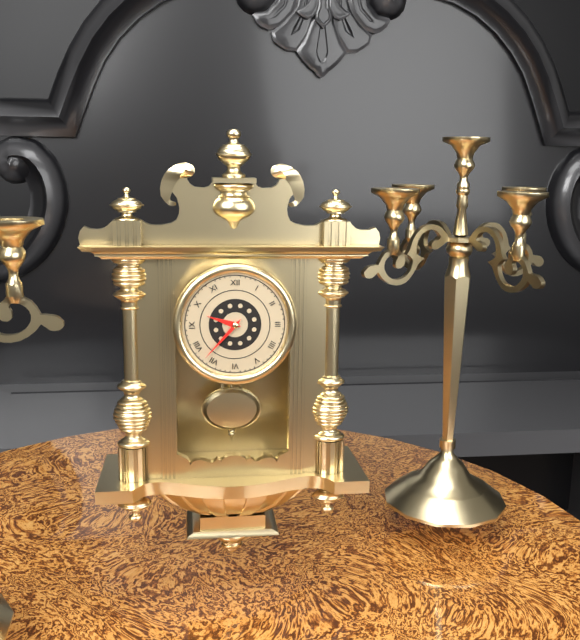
9h37
